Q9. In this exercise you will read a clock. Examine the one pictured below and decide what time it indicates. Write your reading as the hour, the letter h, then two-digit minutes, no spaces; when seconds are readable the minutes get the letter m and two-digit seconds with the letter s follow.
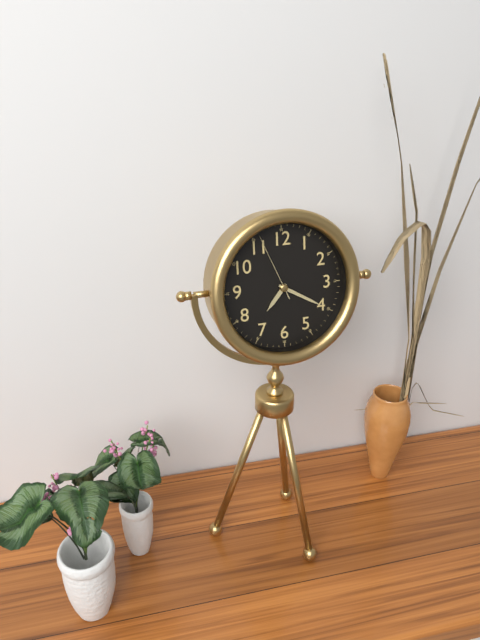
7h20m56s
